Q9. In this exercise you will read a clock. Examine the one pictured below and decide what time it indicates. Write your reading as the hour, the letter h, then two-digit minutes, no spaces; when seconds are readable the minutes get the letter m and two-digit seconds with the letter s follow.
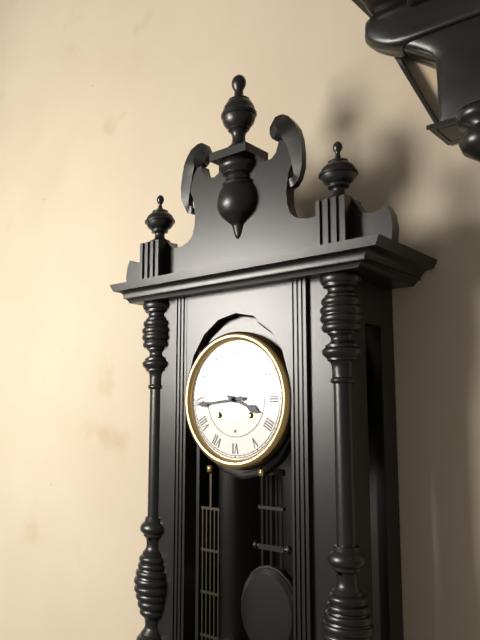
3h44
